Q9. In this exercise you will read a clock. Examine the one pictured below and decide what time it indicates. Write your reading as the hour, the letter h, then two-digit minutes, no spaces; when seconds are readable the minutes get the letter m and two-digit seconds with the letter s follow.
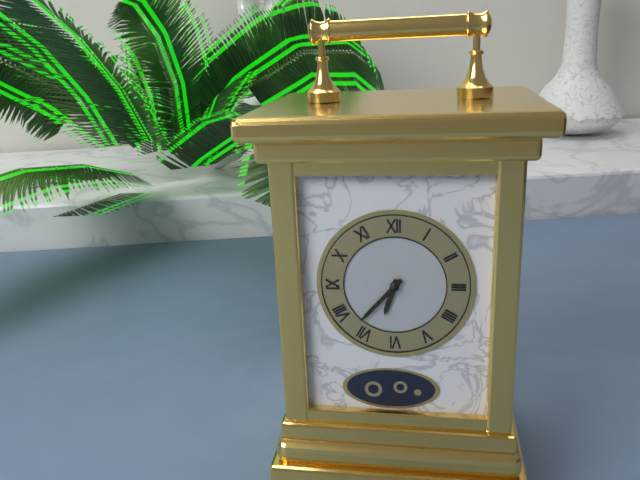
6h37
